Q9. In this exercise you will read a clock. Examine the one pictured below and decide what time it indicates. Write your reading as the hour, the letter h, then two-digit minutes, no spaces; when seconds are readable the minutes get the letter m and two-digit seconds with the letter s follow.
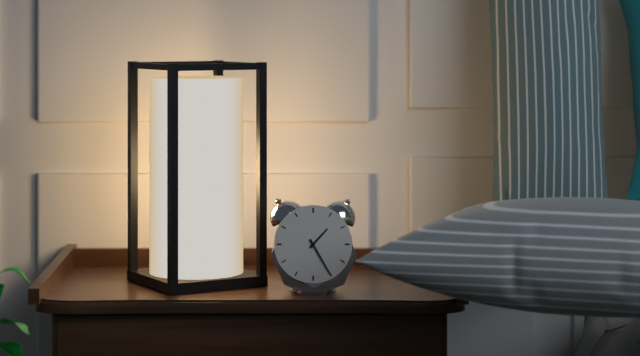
1h25
